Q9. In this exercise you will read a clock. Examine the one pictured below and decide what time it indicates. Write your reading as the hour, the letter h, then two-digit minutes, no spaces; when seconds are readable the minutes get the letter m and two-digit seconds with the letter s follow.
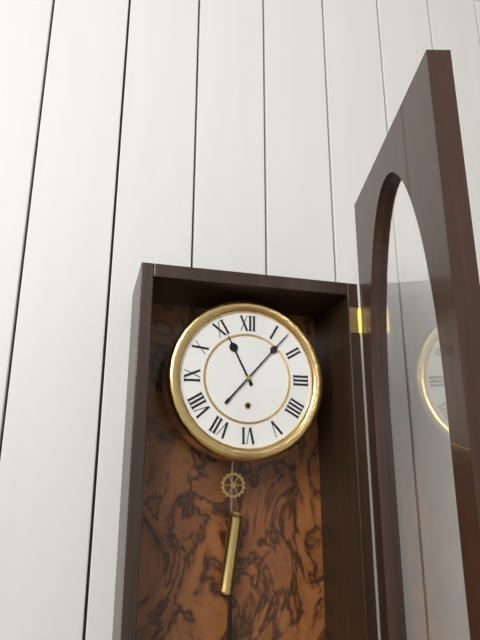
11h07
